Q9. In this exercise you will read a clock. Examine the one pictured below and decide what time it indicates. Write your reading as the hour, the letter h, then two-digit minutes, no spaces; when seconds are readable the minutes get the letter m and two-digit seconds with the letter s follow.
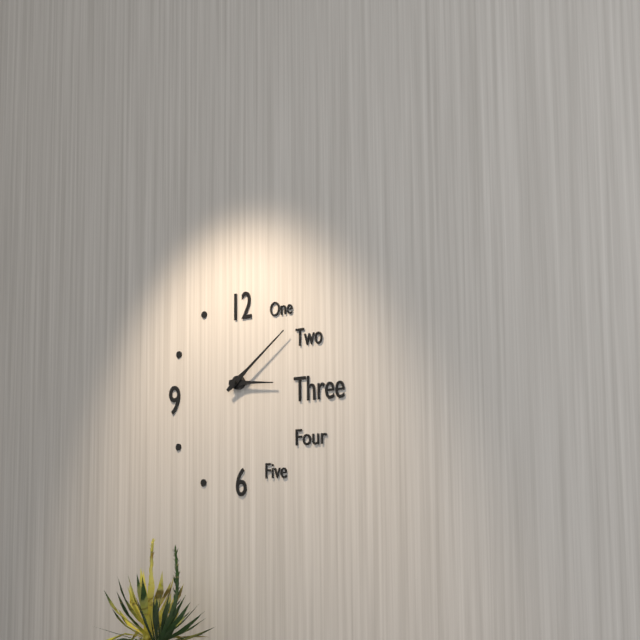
3h09
